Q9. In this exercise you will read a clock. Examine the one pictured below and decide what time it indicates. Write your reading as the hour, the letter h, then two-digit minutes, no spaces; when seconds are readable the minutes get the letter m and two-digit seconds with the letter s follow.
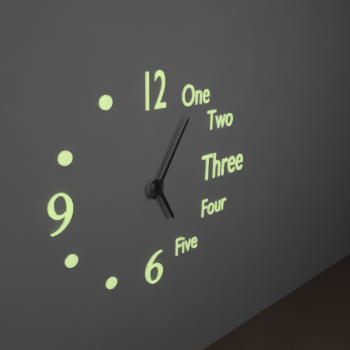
5h05
